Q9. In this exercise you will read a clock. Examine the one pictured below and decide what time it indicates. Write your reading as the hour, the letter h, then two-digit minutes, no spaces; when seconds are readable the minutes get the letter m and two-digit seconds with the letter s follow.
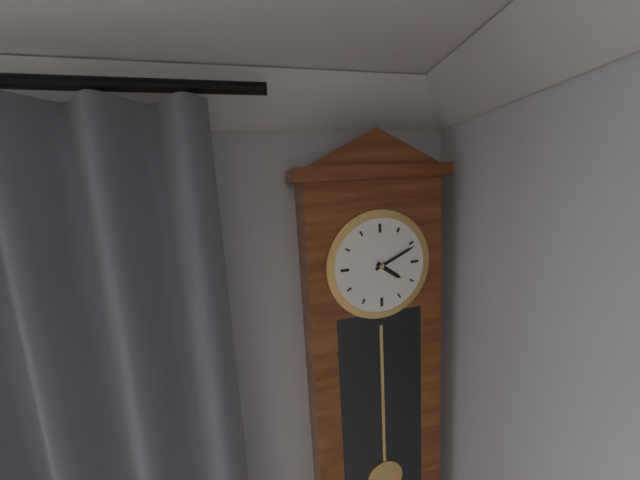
4h11
